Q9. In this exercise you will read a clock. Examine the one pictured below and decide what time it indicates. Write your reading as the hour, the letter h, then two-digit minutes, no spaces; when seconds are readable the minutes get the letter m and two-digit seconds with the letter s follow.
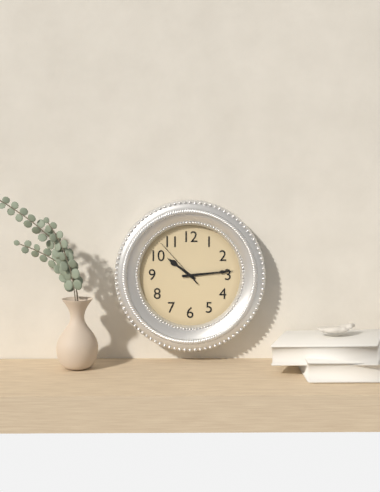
10h14m53s
